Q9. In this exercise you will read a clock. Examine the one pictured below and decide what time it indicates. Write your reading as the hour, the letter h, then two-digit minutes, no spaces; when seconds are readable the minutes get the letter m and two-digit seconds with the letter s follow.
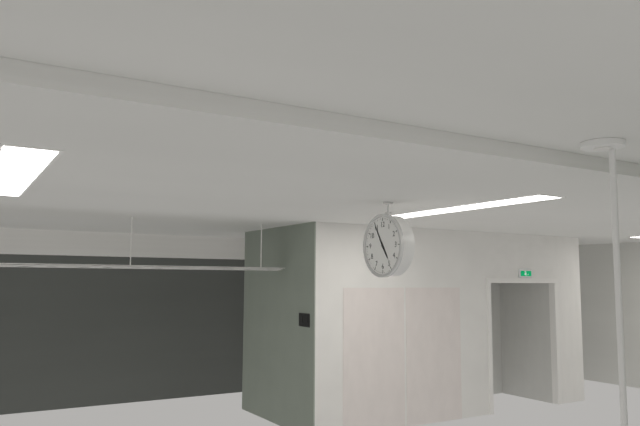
4h55
